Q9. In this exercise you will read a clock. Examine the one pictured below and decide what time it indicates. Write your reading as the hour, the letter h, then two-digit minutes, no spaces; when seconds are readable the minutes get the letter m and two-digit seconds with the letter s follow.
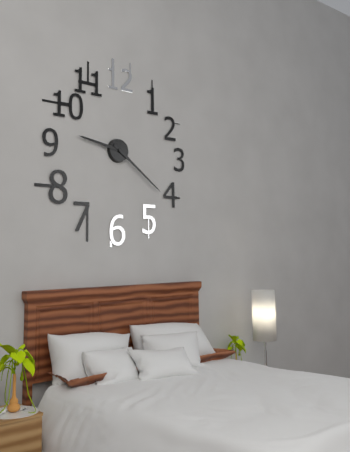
9h21
